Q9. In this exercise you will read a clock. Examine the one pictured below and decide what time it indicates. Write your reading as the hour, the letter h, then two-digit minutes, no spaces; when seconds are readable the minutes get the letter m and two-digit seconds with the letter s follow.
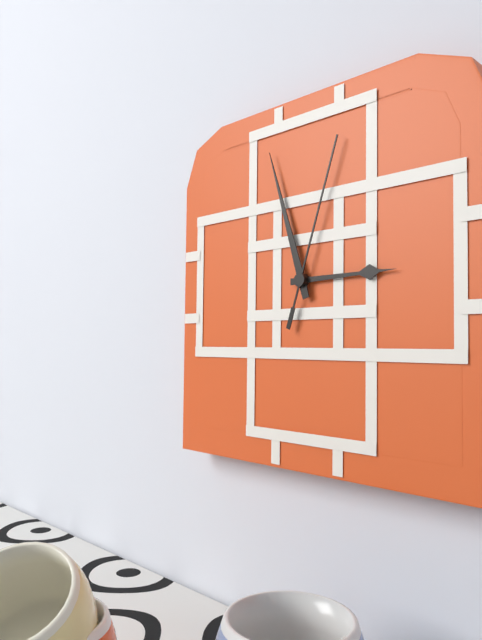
2h57m03s
